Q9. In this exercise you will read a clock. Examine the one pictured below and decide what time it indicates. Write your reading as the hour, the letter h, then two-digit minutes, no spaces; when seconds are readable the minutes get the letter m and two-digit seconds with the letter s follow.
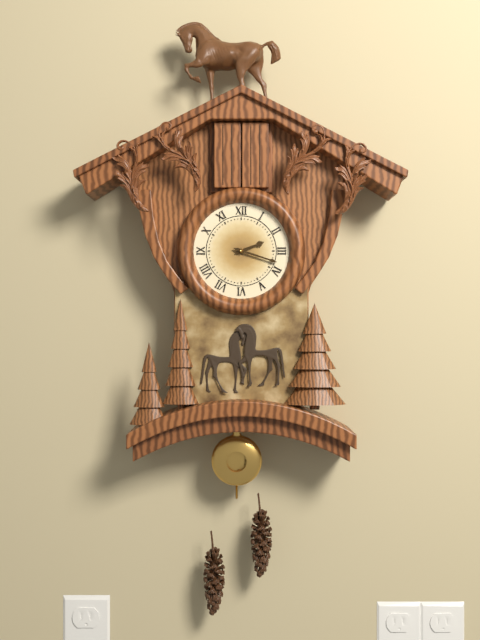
2h18
